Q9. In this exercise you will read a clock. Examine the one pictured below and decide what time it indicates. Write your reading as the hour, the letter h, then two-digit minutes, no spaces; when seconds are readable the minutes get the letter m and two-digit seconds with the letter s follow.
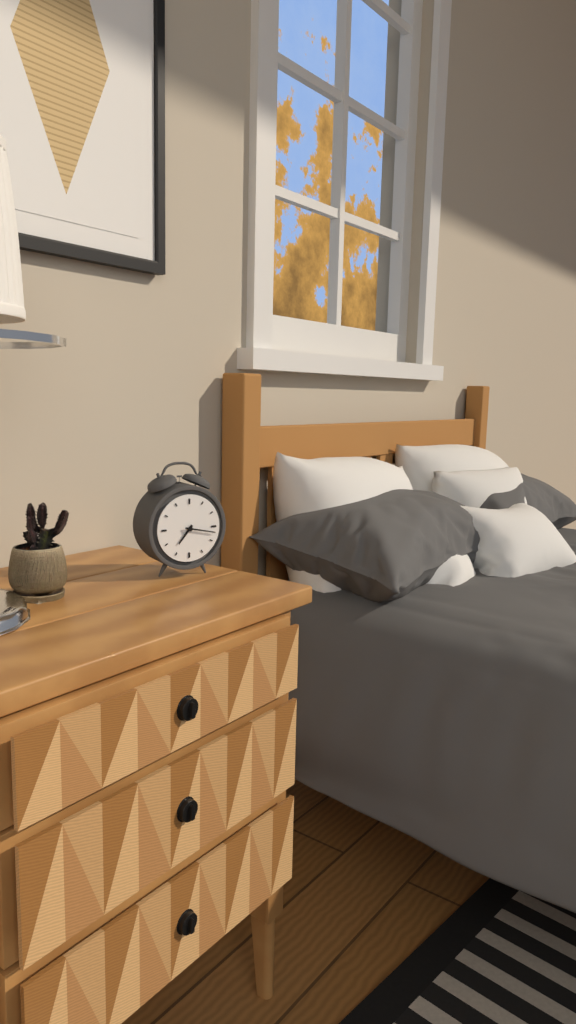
7h17
